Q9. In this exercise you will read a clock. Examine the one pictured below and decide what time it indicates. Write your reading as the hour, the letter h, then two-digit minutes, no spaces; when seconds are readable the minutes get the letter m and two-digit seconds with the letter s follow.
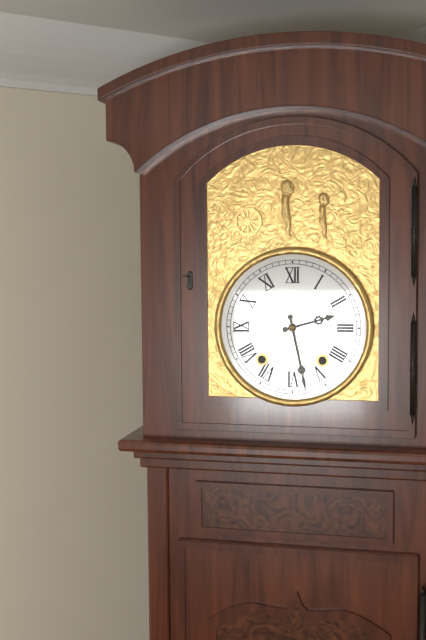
2h28
